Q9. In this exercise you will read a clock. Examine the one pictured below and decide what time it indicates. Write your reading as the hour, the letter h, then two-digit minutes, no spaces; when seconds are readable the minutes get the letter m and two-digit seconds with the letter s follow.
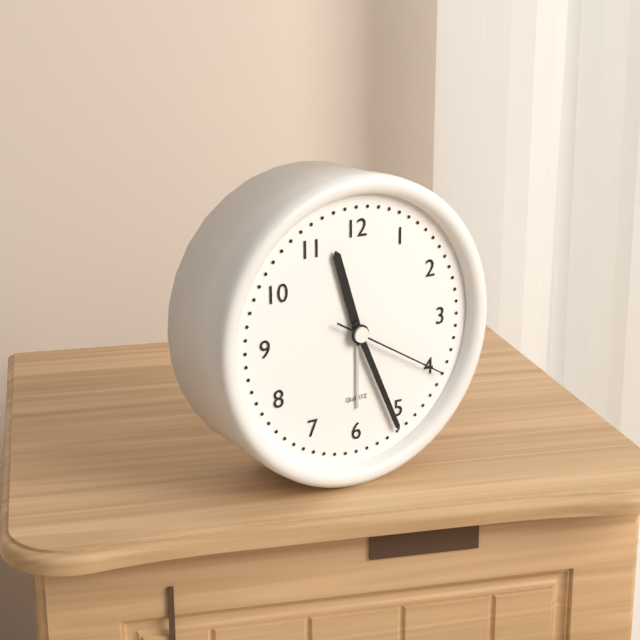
11h26m20s
